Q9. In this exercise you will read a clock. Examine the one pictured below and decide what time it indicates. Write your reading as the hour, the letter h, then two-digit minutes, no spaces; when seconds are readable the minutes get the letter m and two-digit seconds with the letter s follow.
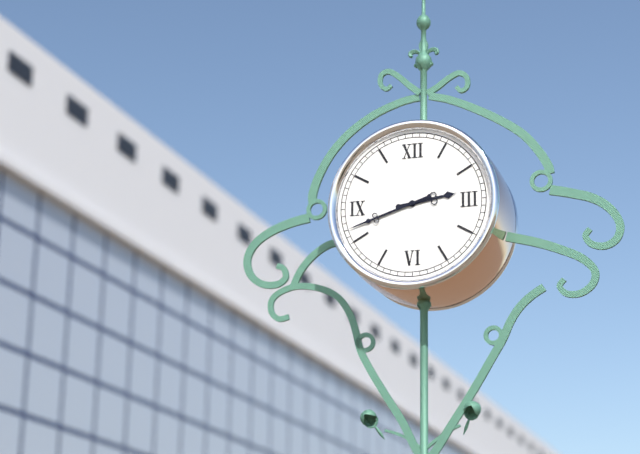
2h42
